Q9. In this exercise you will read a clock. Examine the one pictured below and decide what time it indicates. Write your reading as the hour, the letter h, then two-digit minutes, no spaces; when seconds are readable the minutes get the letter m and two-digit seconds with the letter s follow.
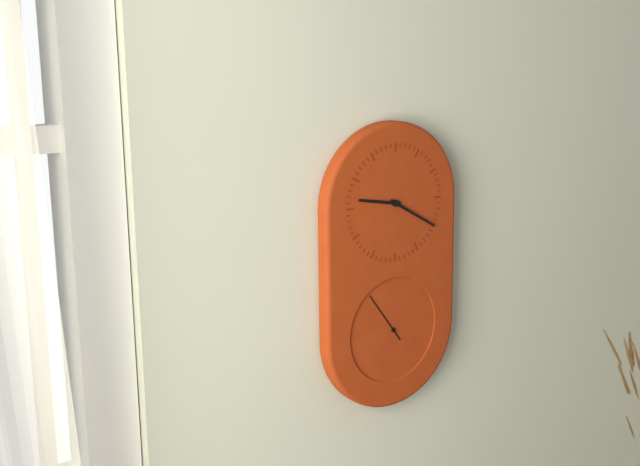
9h20
